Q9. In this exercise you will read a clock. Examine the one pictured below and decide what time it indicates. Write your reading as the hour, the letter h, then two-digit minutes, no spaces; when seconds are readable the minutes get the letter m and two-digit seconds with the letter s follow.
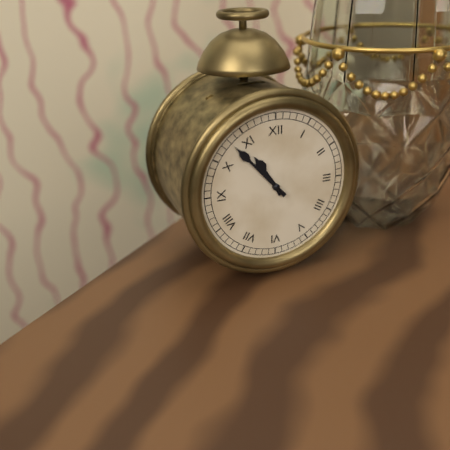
10h53
